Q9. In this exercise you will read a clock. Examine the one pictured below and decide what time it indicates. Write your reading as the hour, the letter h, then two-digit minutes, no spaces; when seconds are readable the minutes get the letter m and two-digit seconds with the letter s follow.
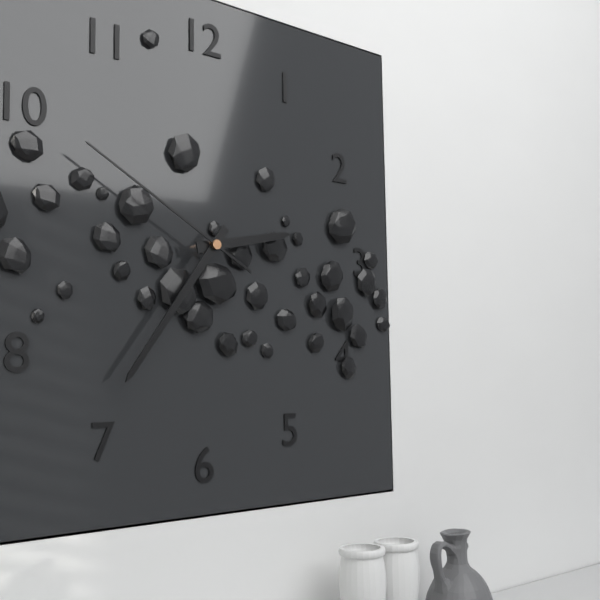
2h36m50s
